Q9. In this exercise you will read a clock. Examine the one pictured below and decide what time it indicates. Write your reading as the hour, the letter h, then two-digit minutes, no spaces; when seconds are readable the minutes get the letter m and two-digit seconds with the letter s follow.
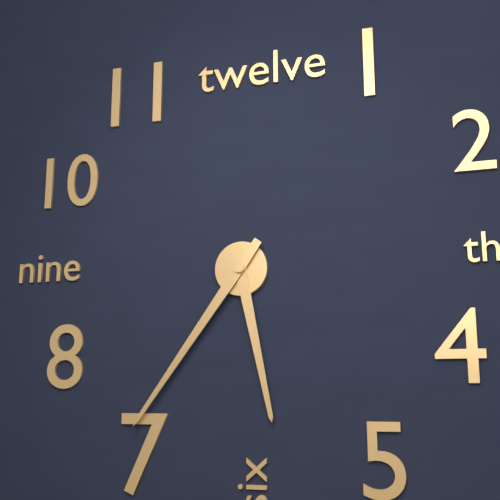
5h36
